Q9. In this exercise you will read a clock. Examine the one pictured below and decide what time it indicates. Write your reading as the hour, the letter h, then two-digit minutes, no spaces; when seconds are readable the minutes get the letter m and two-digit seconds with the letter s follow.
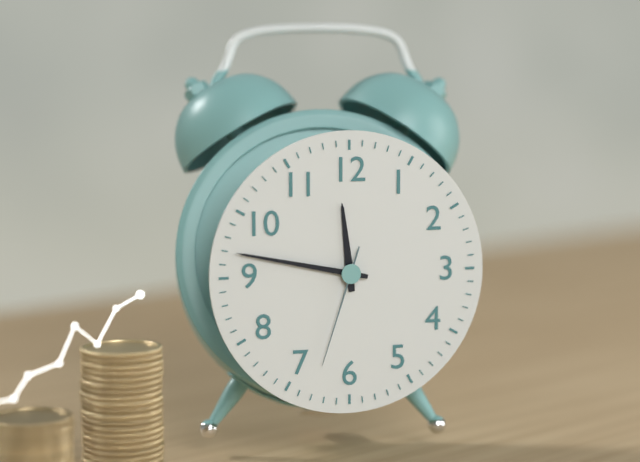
11h47m33s
